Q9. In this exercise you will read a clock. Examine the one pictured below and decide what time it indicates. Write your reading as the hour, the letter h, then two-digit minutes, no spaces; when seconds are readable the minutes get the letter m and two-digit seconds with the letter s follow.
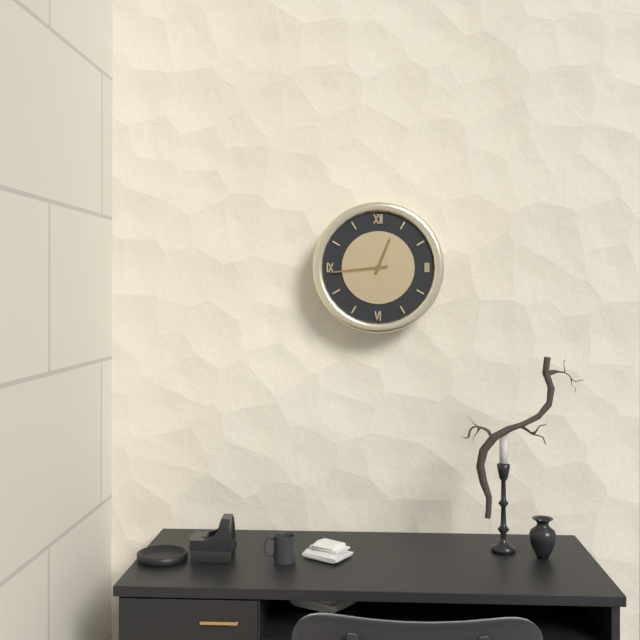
12h44
